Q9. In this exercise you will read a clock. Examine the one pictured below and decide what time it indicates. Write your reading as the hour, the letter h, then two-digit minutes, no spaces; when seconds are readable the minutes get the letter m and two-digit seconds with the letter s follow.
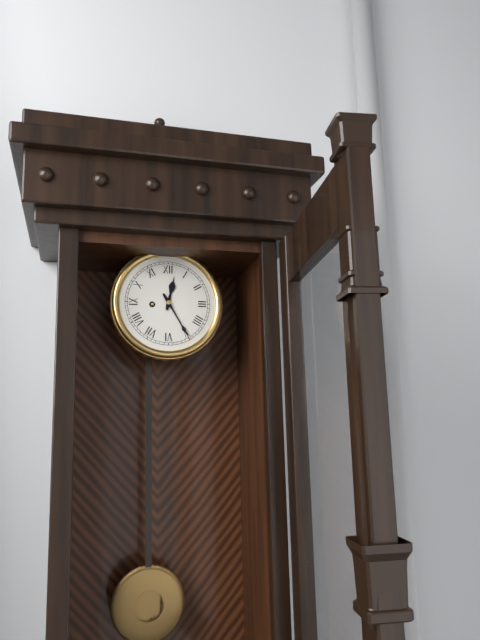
12h25
